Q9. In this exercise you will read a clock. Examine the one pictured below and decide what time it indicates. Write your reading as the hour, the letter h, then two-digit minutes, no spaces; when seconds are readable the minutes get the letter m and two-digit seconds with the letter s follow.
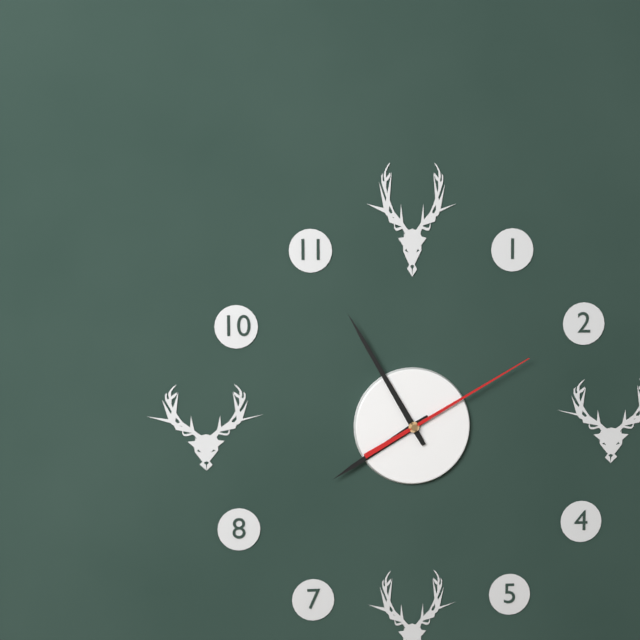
7h55m10s
